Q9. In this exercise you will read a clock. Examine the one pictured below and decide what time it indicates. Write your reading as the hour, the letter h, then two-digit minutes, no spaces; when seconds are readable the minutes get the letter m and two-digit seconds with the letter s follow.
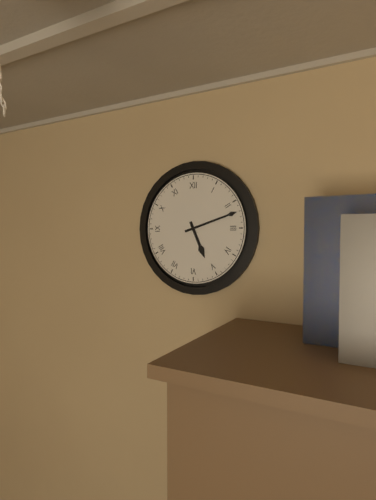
5h12
